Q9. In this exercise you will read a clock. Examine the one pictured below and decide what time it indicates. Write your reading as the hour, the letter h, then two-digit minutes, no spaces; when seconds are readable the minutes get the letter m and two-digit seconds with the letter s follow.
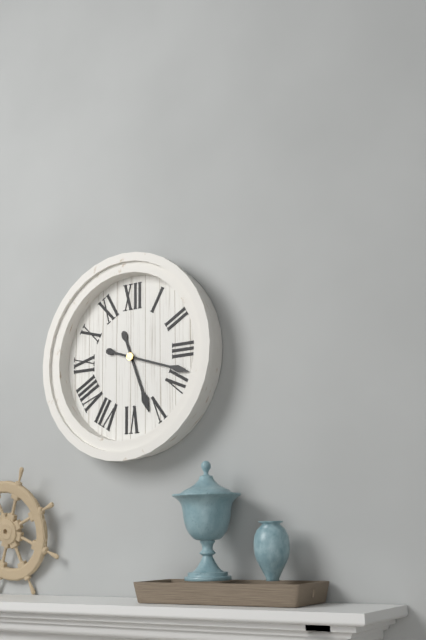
5h18
